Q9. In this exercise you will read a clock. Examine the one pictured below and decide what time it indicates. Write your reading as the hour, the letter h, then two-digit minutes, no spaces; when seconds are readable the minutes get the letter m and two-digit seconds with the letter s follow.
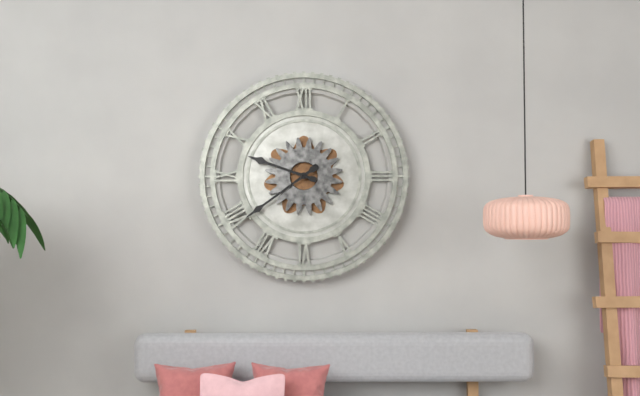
9h39
